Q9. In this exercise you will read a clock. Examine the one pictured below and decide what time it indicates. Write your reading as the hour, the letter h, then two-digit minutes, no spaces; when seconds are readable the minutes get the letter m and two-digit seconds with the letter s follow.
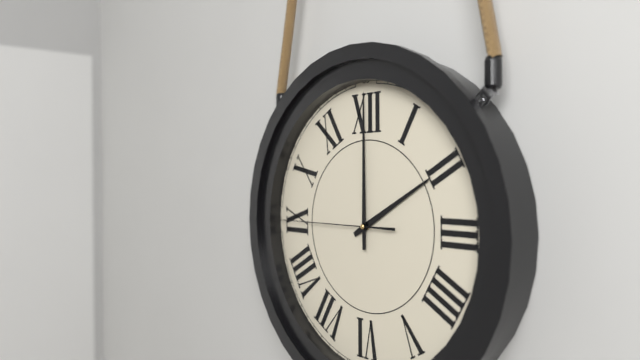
2h00m45s
